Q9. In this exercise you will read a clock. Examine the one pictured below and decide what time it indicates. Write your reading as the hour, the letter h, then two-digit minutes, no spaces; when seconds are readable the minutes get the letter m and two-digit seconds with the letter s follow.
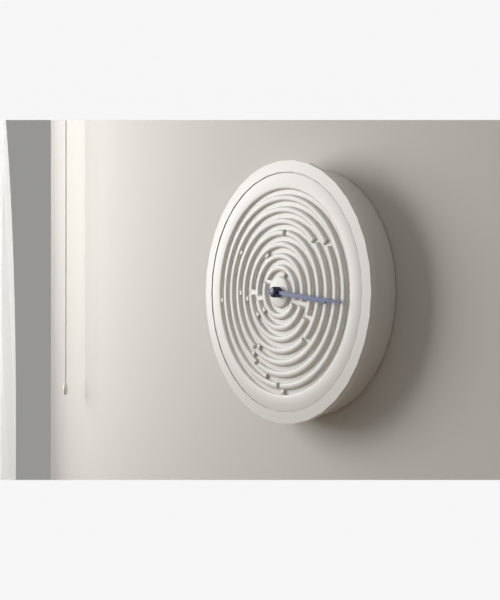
3h16
